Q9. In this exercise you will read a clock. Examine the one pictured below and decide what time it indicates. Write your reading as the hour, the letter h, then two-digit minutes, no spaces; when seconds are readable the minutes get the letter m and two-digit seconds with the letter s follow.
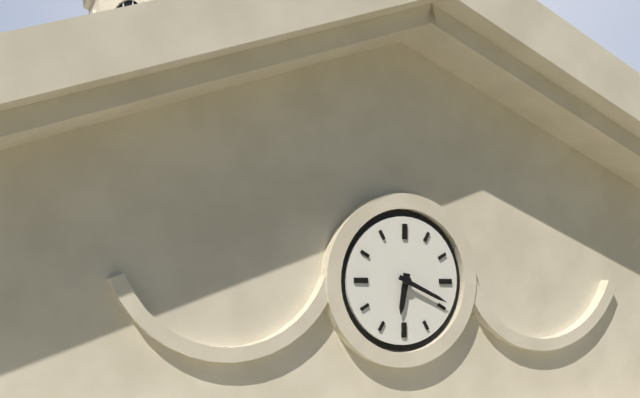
6h19
